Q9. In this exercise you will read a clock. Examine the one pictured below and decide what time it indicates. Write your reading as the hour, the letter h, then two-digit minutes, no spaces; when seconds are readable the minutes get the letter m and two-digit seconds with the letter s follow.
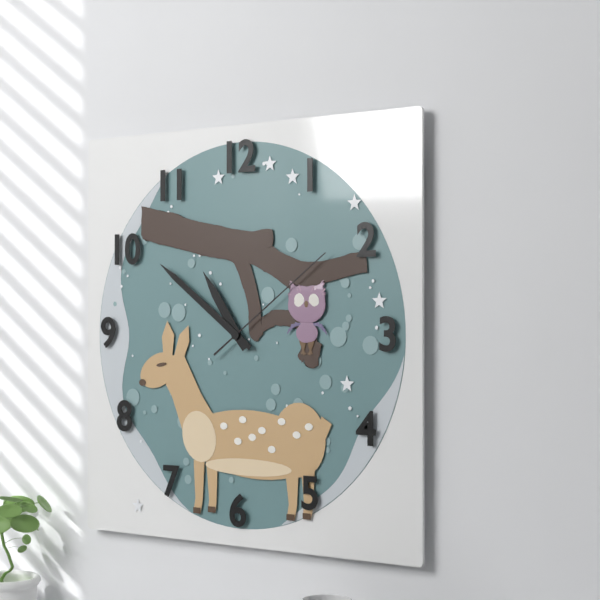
10h51m09s
